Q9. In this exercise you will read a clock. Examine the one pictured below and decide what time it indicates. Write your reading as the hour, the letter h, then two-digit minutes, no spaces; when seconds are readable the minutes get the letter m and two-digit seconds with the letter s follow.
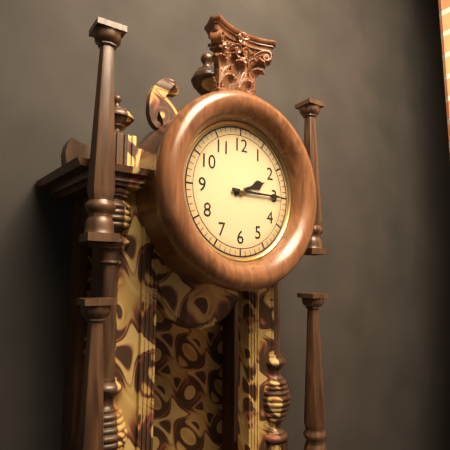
2h15
